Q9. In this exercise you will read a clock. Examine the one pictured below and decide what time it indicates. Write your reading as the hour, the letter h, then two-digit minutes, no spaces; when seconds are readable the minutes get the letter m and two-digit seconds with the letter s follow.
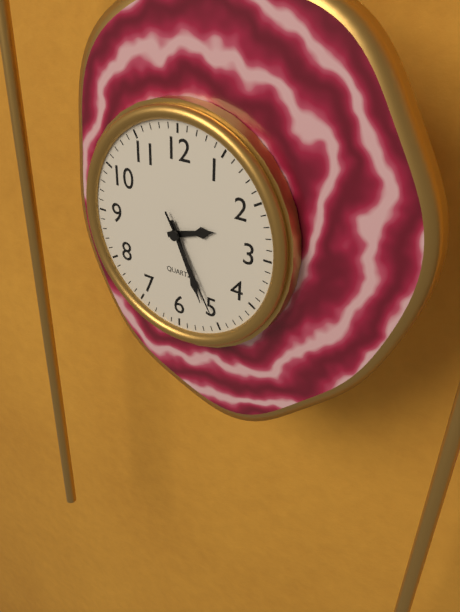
2h26m25s
